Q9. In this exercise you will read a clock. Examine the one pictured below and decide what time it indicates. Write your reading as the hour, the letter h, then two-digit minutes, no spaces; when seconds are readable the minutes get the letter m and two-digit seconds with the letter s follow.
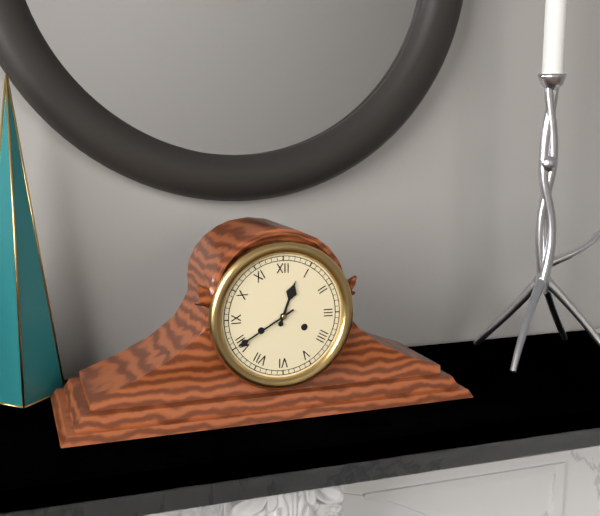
12h40
